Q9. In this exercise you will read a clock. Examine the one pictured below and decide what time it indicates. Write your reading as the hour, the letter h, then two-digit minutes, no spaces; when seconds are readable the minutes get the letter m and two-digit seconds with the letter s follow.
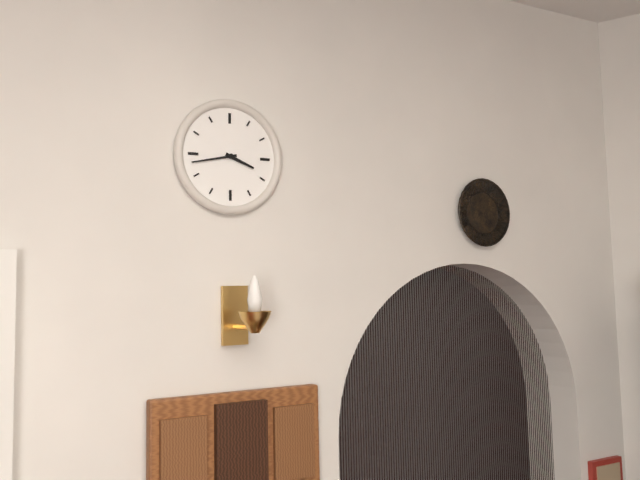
3h43
